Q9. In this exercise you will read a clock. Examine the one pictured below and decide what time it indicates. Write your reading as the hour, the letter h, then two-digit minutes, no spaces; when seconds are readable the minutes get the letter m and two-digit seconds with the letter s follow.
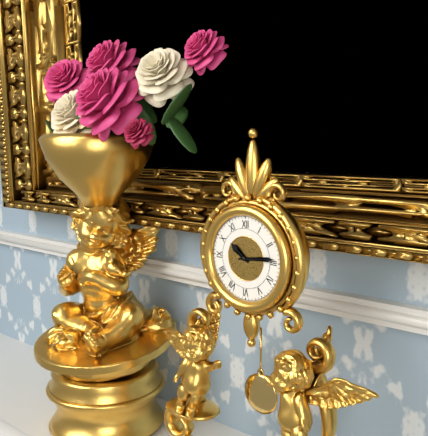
10h14
